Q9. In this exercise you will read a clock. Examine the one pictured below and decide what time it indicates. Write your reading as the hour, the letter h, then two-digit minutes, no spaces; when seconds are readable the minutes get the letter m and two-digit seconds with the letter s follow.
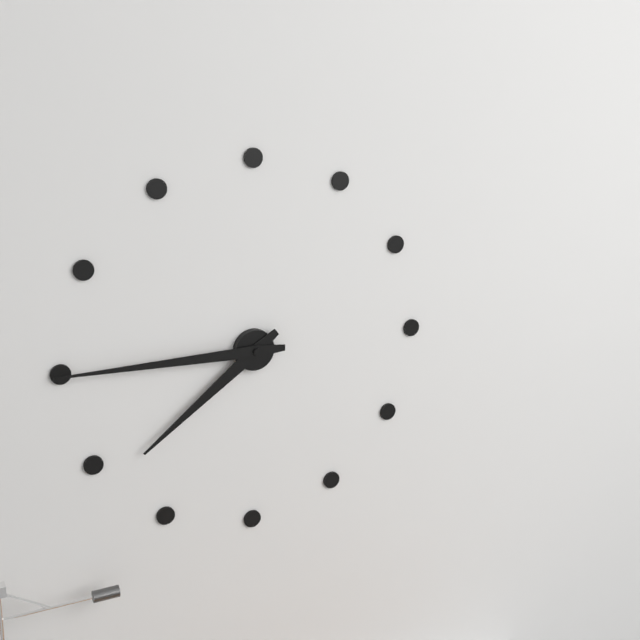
7h45
